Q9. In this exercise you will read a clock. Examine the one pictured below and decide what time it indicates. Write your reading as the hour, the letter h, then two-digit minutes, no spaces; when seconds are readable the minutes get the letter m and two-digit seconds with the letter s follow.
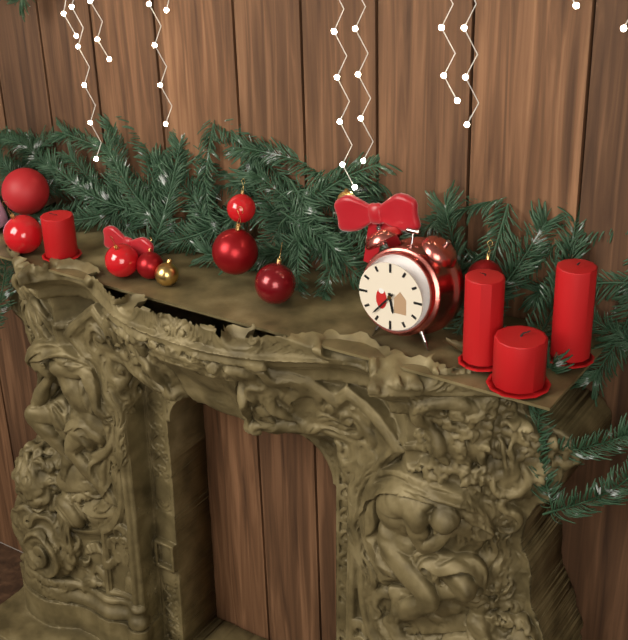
5h37
